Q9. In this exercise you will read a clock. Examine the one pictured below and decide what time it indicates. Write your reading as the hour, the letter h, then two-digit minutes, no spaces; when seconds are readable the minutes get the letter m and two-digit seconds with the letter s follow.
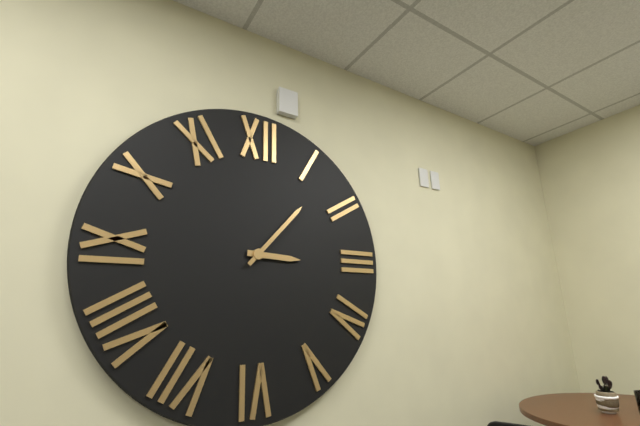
3h07
